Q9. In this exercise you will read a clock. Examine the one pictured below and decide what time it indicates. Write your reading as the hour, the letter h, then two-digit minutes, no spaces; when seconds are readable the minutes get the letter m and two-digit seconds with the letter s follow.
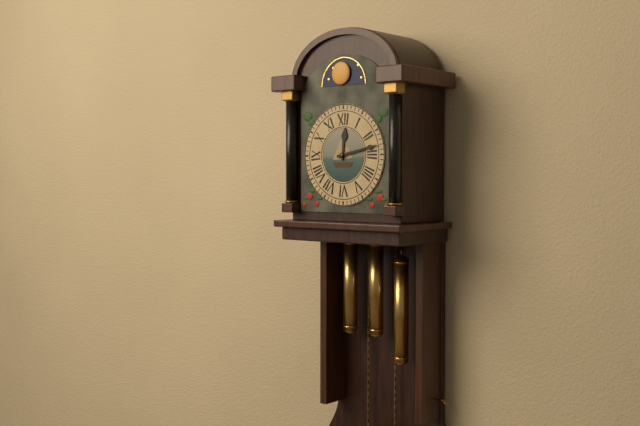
12h13
